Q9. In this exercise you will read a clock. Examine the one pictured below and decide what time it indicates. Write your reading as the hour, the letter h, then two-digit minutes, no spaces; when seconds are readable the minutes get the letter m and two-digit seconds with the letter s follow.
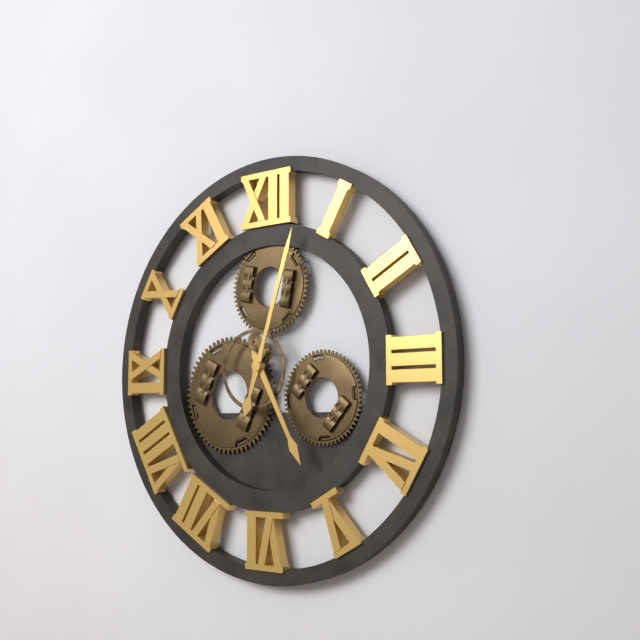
5h03
